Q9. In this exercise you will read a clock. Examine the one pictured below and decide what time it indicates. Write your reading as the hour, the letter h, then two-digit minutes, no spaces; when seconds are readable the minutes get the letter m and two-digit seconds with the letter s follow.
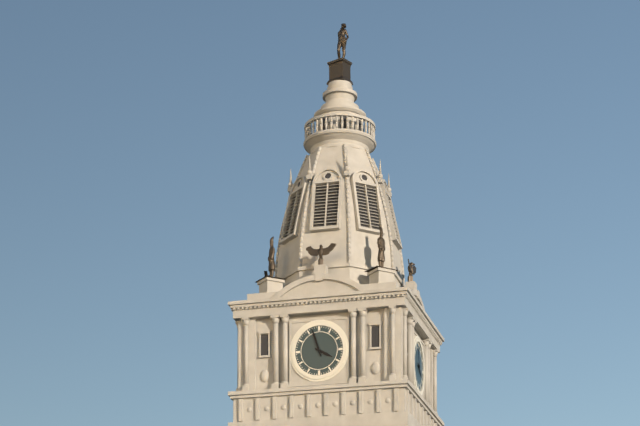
3h57
